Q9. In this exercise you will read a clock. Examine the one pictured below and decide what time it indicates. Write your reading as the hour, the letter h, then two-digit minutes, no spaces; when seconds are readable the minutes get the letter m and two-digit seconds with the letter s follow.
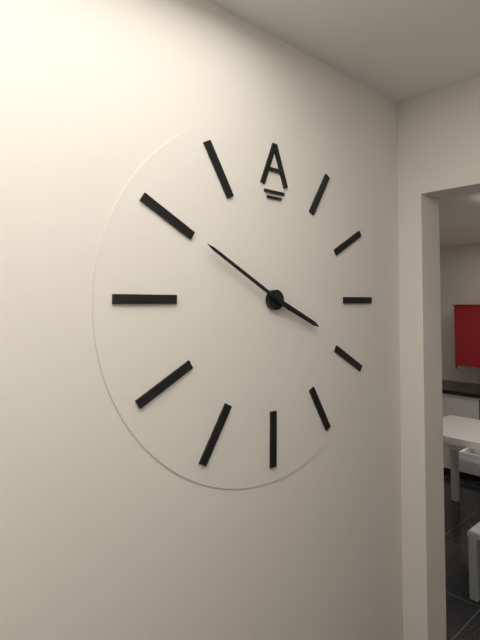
3h50
